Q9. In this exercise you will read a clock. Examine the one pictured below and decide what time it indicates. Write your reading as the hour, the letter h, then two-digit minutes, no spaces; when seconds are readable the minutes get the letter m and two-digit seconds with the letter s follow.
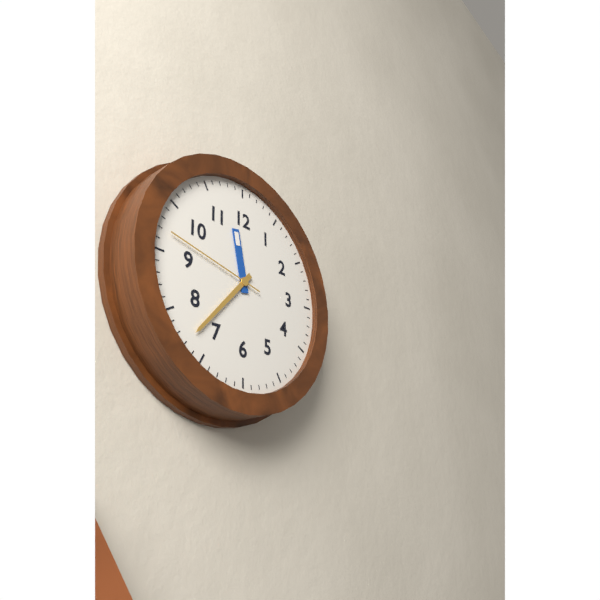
11h37m47s
